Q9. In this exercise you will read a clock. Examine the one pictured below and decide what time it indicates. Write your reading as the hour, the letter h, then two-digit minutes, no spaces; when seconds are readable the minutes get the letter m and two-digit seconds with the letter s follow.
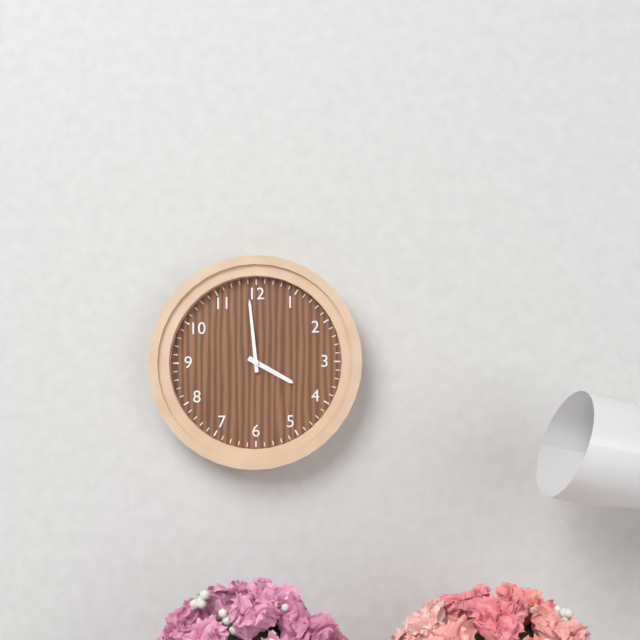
3h59
